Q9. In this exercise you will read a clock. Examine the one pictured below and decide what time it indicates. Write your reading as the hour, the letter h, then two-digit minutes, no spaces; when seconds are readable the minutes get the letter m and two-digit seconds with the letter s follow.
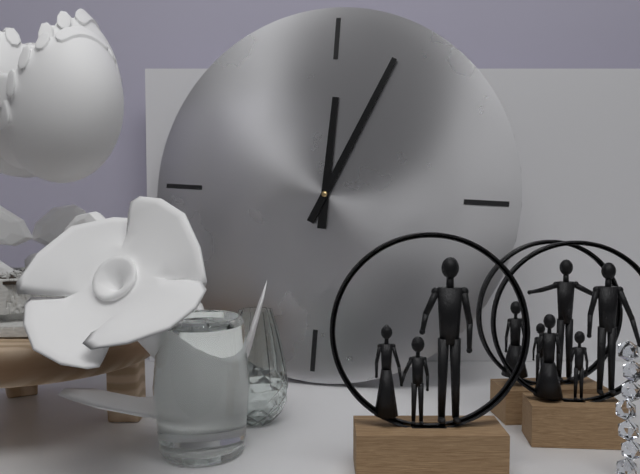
12h04
